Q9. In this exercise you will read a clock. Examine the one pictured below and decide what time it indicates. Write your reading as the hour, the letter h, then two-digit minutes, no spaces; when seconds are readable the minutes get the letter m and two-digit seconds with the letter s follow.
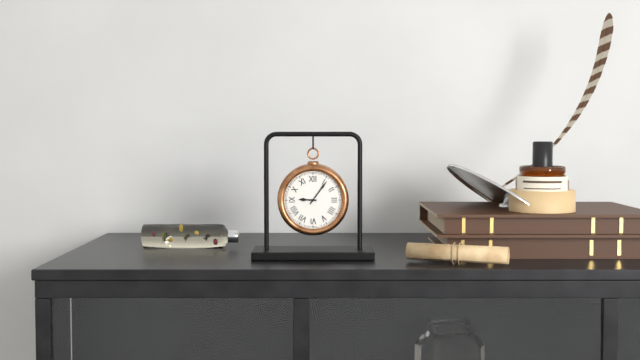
9h06
